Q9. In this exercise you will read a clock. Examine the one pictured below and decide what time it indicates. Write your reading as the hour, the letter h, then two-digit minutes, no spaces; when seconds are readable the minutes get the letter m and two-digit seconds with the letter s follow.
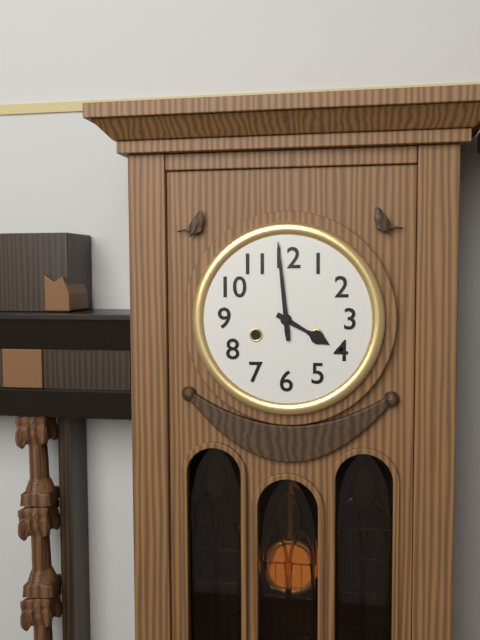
3h59
